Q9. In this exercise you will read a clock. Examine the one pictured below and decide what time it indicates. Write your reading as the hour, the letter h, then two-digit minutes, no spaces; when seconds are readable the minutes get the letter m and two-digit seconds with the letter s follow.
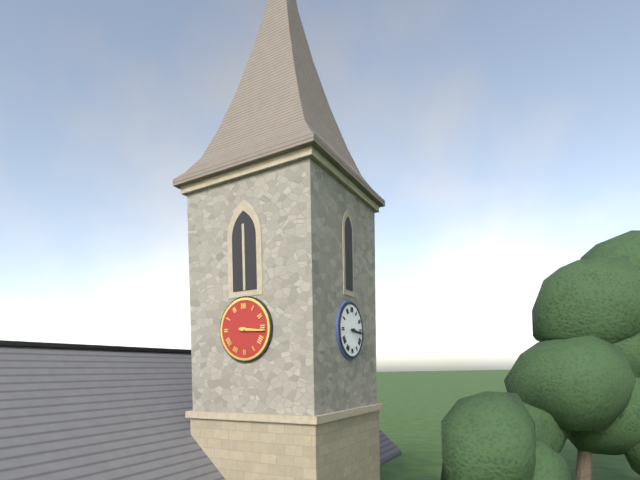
3h16
